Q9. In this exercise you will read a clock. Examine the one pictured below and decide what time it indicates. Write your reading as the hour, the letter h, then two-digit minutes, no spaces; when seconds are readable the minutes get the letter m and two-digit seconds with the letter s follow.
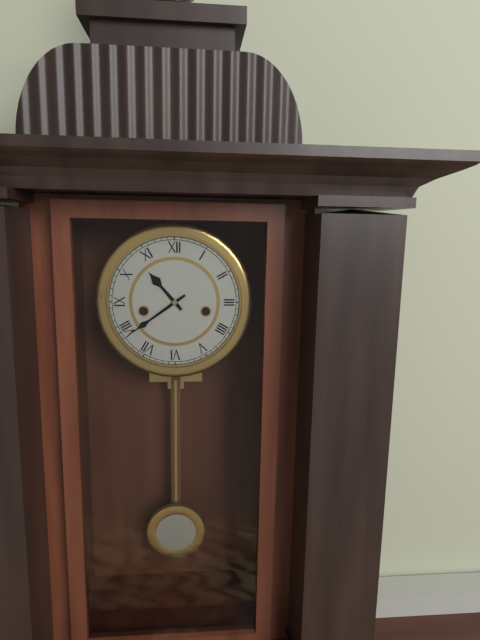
10h39
